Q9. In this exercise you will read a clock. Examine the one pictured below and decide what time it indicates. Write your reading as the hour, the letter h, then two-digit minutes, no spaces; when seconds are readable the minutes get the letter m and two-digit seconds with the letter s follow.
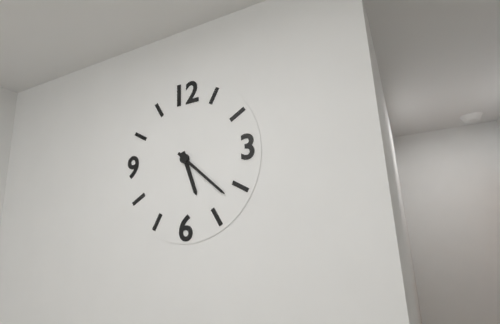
5h22
